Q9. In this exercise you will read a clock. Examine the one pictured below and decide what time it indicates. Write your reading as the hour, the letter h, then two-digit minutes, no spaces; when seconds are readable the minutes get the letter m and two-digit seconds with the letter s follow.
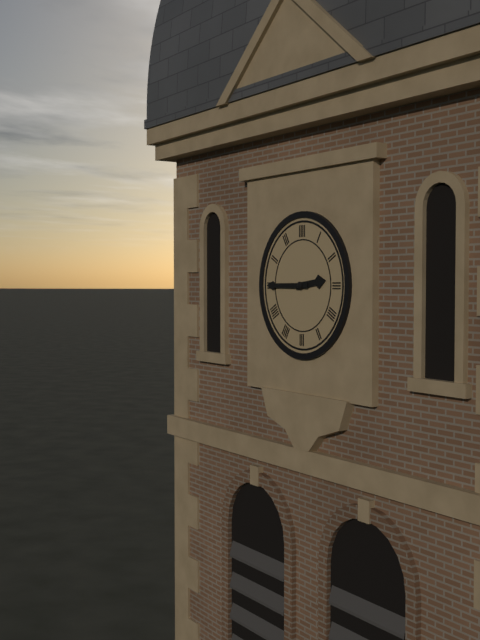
2h45
